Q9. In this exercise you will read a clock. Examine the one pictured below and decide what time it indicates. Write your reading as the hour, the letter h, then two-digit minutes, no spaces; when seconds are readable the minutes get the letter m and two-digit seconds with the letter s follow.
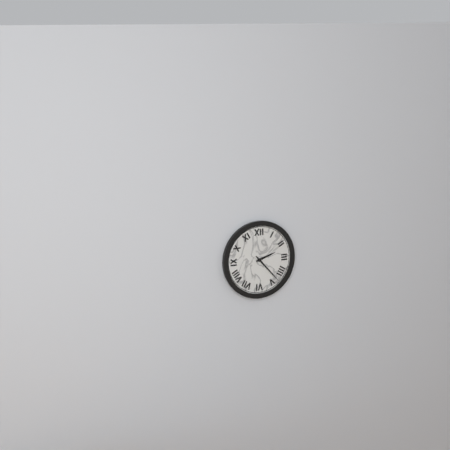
2h23
